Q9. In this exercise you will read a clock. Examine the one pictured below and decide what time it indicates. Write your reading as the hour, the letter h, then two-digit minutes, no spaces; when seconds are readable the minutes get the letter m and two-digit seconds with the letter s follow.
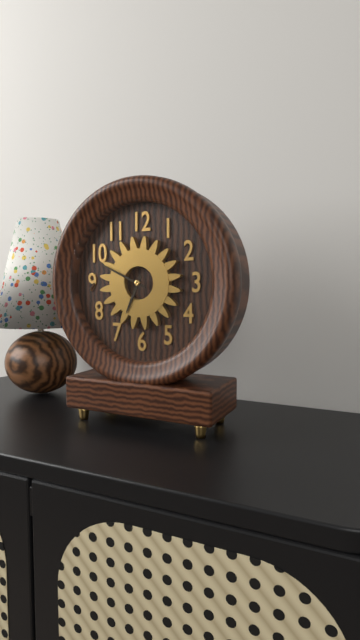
6h49
